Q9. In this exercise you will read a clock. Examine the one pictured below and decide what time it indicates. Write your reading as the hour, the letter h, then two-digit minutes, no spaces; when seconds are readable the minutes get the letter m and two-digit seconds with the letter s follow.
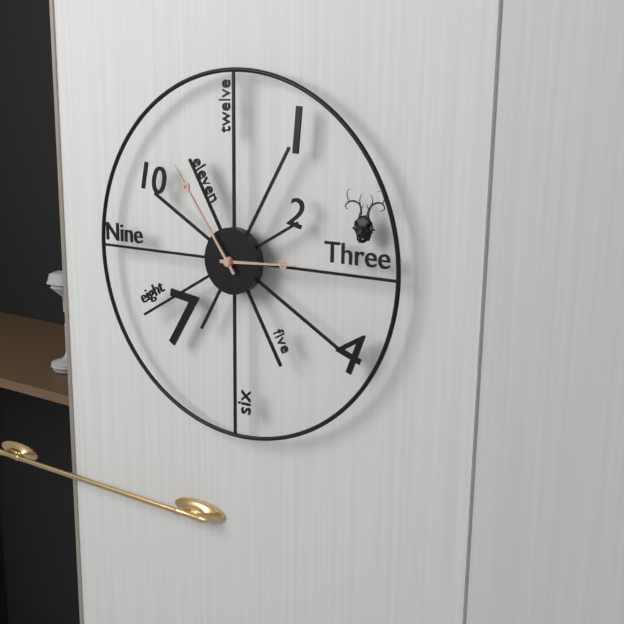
2h54
